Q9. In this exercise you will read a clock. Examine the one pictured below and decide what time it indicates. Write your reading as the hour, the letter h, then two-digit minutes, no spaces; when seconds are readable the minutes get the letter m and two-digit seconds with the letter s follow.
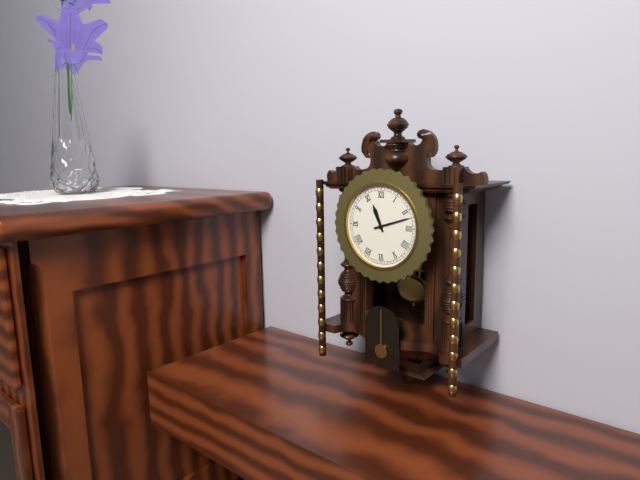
11h12
